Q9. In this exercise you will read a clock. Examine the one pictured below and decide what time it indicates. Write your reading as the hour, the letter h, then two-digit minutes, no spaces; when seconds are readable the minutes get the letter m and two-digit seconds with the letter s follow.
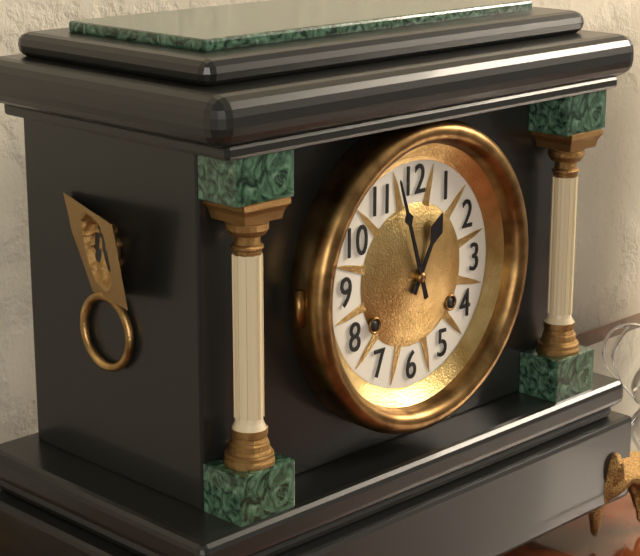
12h57
